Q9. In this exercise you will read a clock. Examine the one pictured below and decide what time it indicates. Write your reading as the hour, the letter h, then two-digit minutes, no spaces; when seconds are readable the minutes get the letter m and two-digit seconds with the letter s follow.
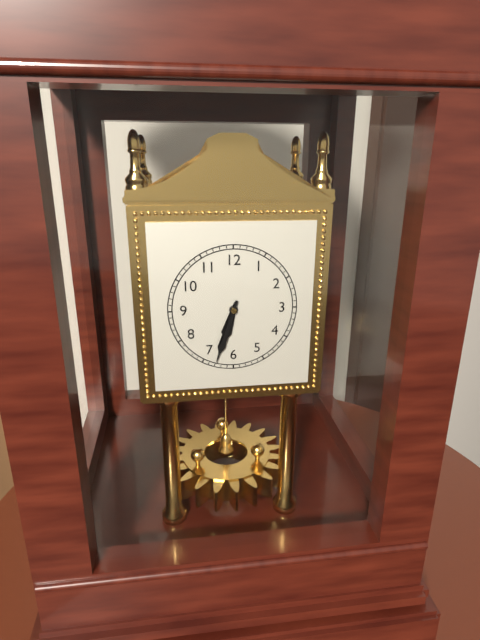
6h33
